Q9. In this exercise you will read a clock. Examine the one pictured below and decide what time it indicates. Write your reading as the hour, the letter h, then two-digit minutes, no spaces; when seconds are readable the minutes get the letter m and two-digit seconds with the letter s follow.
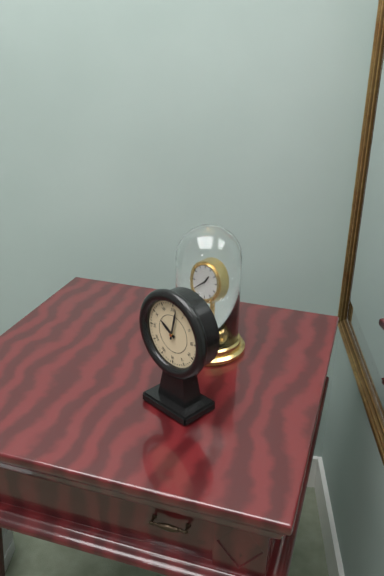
10h02
